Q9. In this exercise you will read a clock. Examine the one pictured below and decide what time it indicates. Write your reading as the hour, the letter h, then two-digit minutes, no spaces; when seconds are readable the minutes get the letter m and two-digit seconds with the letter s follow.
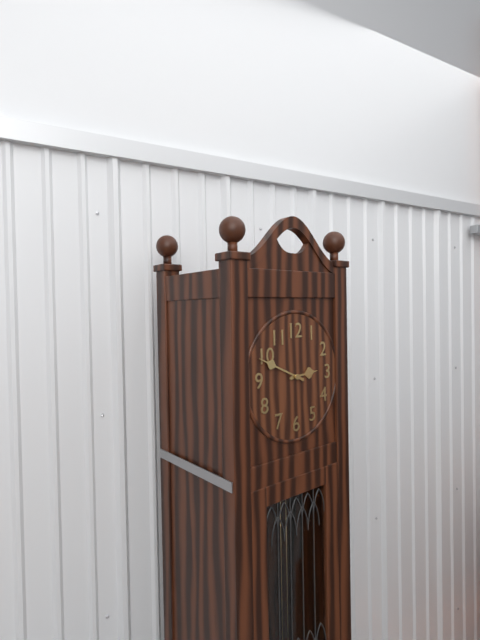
2h49
